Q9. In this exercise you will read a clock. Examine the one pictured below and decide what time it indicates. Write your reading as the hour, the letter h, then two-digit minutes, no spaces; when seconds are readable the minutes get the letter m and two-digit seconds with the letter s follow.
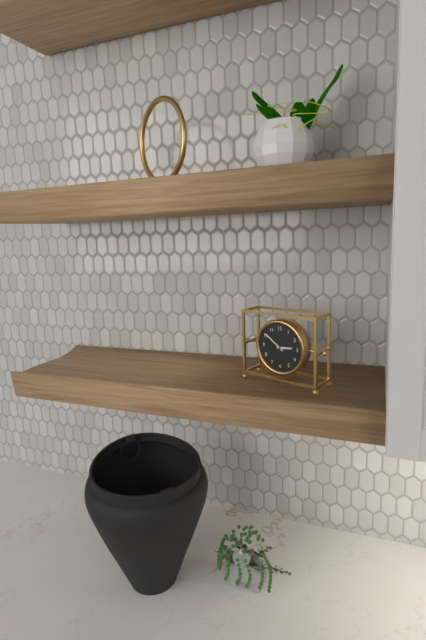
2h51
